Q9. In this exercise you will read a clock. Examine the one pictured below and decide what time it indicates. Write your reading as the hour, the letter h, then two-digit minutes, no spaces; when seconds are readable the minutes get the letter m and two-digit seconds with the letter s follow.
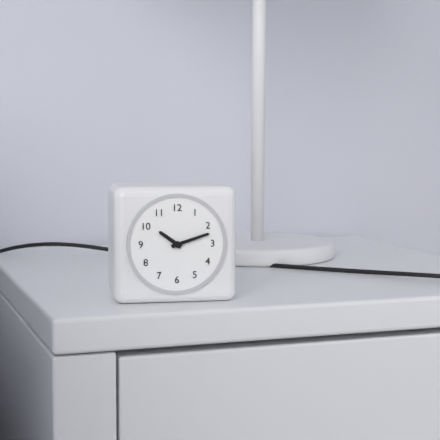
10h12
